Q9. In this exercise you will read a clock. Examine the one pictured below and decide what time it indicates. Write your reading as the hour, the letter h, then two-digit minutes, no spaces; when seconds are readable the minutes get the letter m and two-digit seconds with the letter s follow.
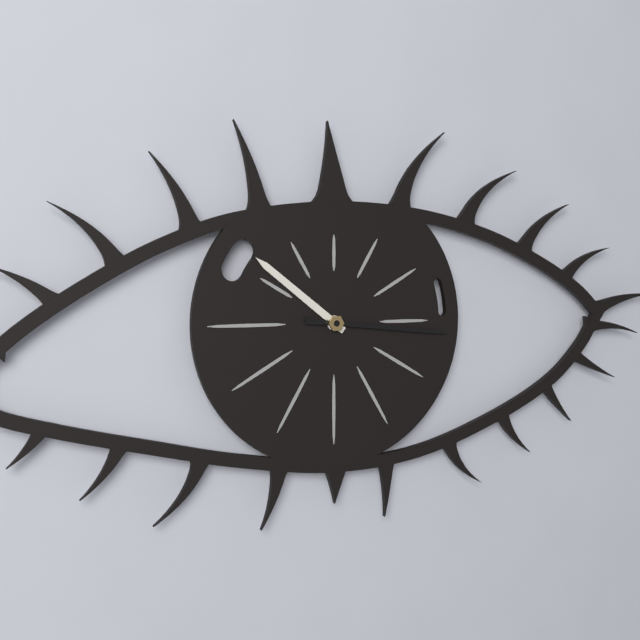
10h16
